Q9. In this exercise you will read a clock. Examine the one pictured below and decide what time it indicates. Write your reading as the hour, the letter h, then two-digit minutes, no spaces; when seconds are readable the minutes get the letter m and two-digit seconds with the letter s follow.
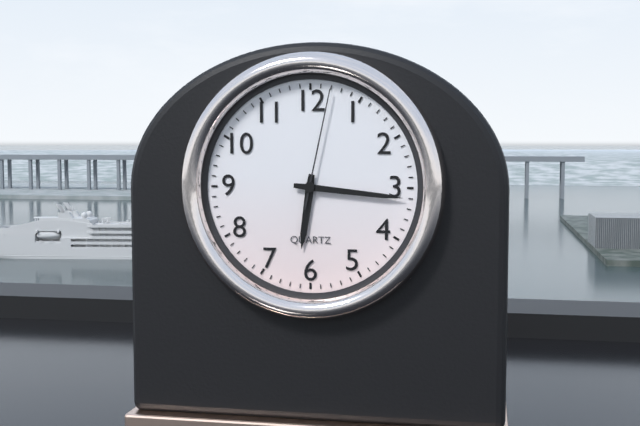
6h16m02s
